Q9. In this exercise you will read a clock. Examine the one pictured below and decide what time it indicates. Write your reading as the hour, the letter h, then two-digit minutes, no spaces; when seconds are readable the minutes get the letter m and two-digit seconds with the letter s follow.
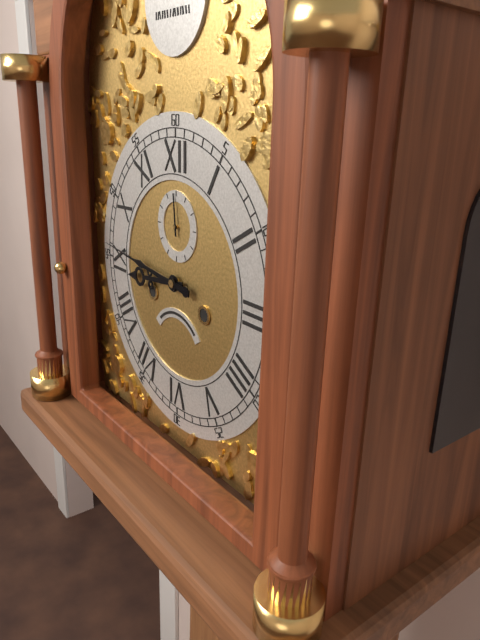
8h46
